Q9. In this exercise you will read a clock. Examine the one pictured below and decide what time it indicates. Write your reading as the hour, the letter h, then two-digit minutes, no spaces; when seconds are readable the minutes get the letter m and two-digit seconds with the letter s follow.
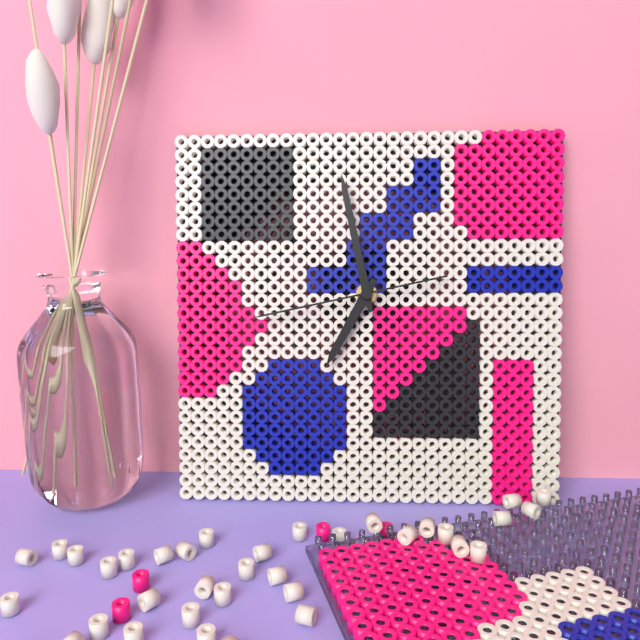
6h58m43s
